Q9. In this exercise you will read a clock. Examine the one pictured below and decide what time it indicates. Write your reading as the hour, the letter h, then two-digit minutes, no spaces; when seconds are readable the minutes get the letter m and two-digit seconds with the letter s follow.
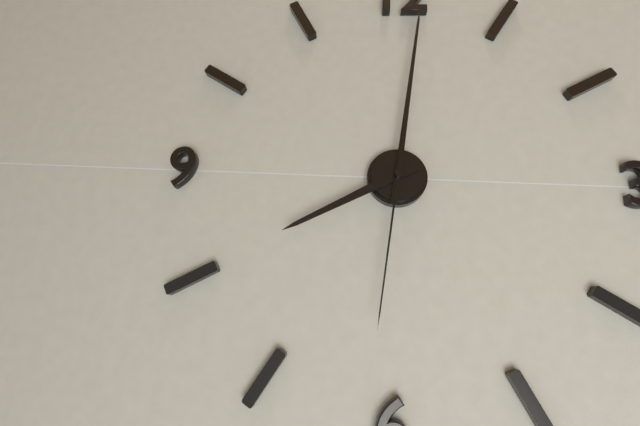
8h01m31s
